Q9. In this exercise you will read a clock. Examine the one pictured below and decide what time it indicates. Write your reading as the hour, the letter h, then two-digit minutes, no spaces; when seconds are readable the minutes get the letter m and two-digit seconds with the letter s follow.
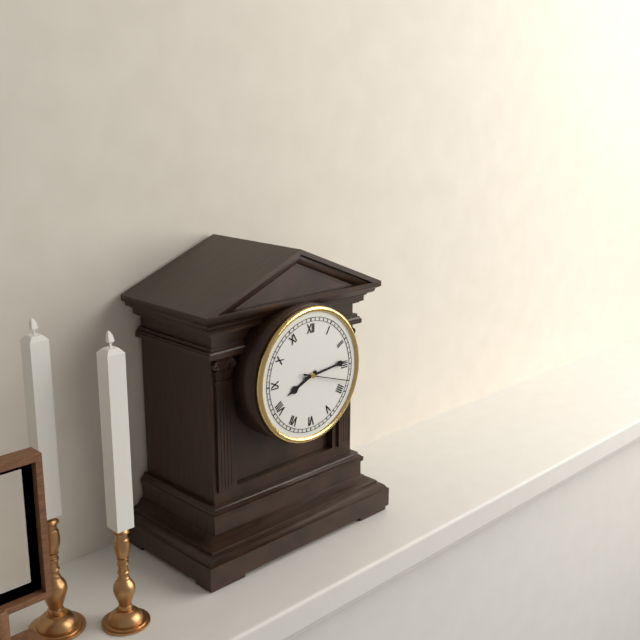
8h14
